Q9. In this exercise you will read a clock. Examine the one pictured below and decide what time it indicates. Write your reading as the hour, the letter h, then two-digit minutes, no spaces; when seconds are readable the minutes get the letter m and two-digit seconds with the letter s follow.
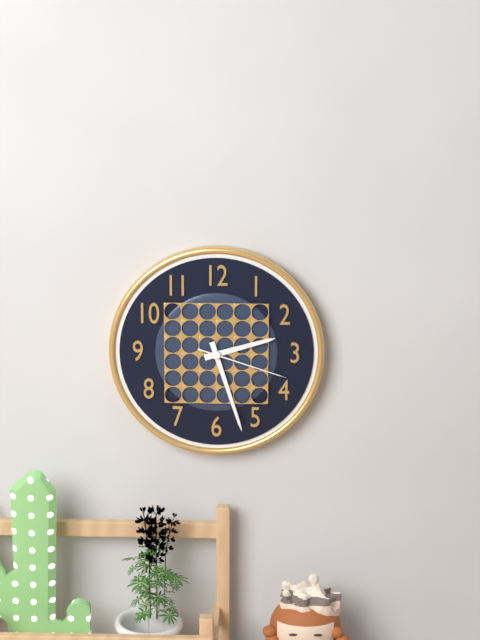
2h27m18s
